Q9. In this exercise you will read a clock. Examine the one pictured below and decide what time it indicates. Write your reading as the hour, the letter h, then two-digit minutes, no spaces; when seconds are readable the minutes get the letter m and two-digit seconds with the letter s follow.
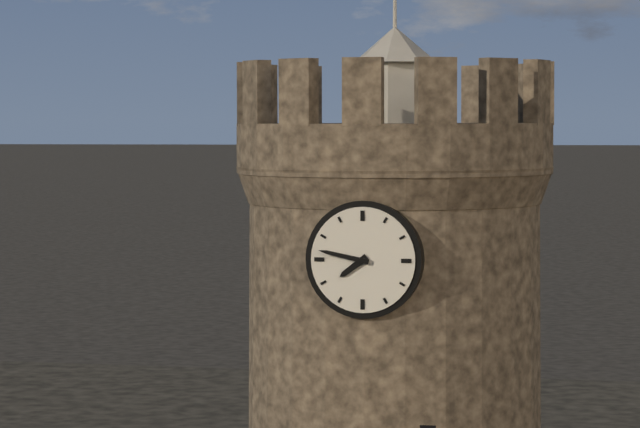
7h47
